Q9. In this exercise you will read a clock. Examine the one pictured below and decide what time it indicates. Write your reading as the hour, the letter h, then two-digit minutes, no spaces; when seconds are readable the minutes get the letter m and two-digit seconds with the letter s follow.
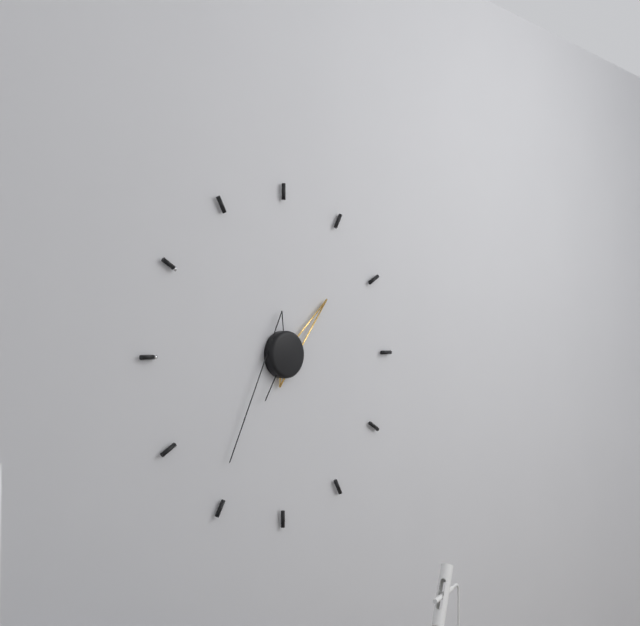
1h36
